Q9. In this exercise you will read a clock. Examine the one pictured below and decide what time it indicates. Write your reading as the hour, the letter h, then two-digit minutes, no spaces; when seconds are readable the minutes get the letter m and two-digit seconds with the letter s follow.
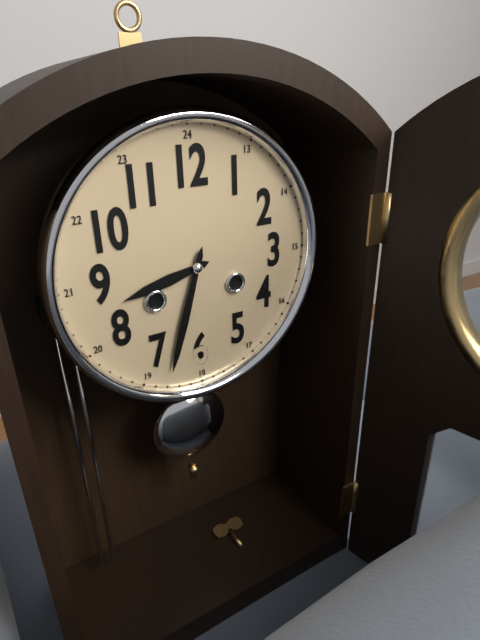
8h33
